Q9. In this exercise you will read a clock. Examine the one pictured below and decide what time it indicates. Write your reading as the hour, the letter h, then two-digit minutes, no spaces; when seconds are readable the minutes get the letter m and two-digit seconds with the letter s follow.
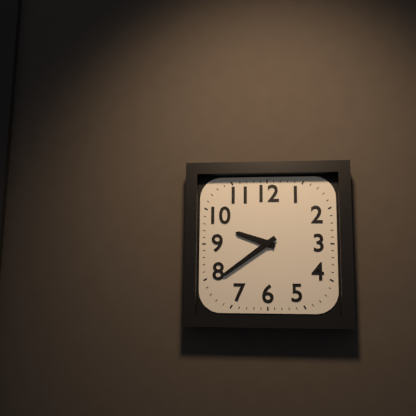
9h39
